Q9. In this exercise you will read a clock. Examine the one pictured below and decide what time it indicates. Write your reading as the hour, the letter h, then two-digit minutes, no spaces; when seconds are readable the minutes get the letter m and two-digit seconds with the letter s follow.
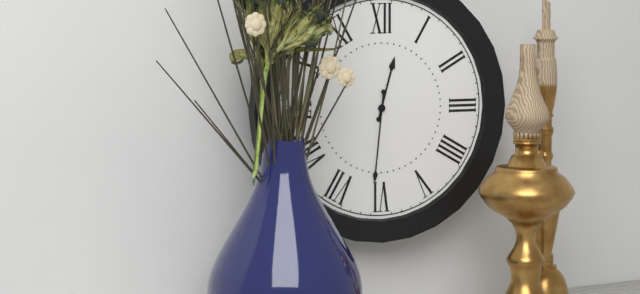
12h31
